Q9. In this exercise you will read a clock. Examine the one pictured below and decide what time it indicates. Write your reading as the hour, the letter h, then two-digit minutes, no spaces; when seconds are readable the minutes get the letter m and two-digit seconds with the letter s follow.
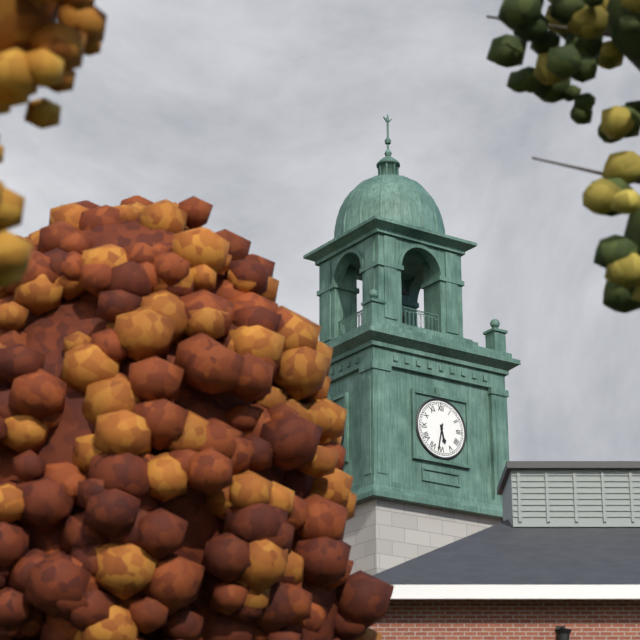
5h32
